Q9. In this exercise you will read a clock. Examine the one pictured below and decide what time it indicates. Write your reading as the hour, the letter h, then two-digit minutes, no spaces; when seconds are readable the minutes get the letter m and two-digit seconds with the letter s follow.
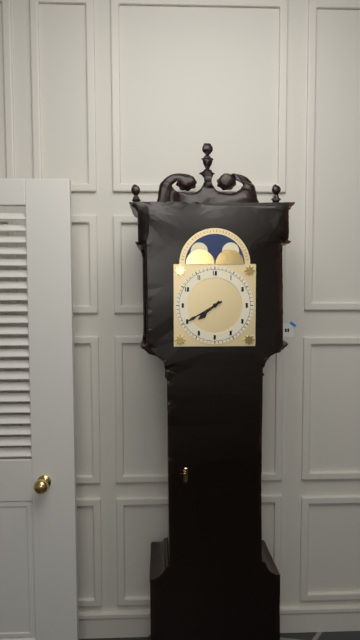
7h40
